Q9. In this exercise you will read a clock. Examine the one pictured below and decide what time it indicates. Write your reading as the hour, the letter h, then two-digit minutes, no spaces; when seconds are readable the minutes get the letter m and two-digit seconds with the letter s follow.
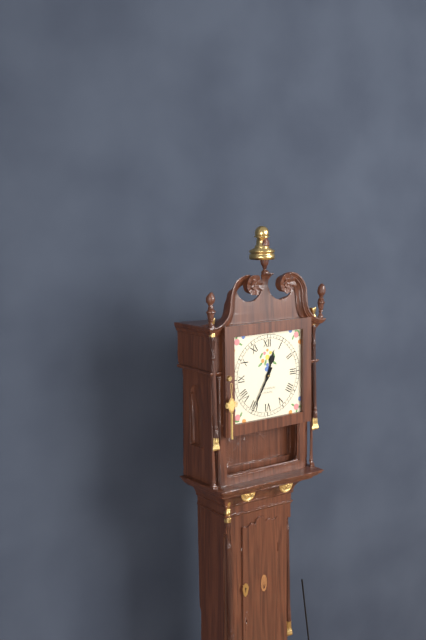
12h35
